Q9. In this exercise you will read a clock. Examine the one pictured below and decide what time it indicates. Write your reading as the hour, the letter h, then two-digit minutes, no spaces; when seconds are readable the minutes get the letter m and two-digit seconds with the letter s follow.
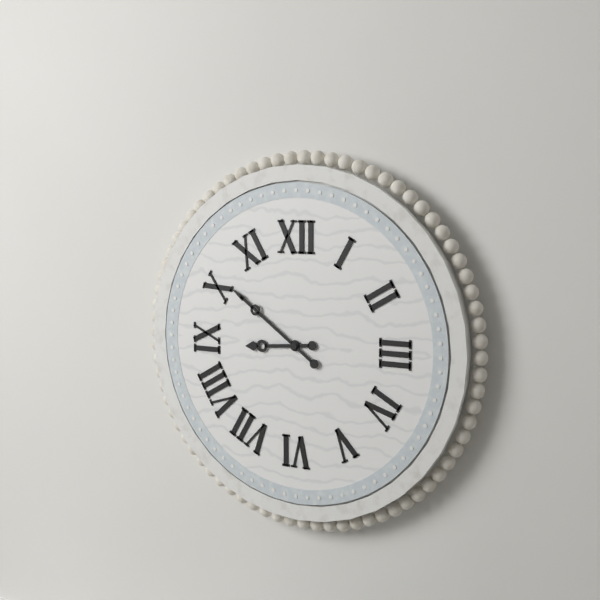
8h51
